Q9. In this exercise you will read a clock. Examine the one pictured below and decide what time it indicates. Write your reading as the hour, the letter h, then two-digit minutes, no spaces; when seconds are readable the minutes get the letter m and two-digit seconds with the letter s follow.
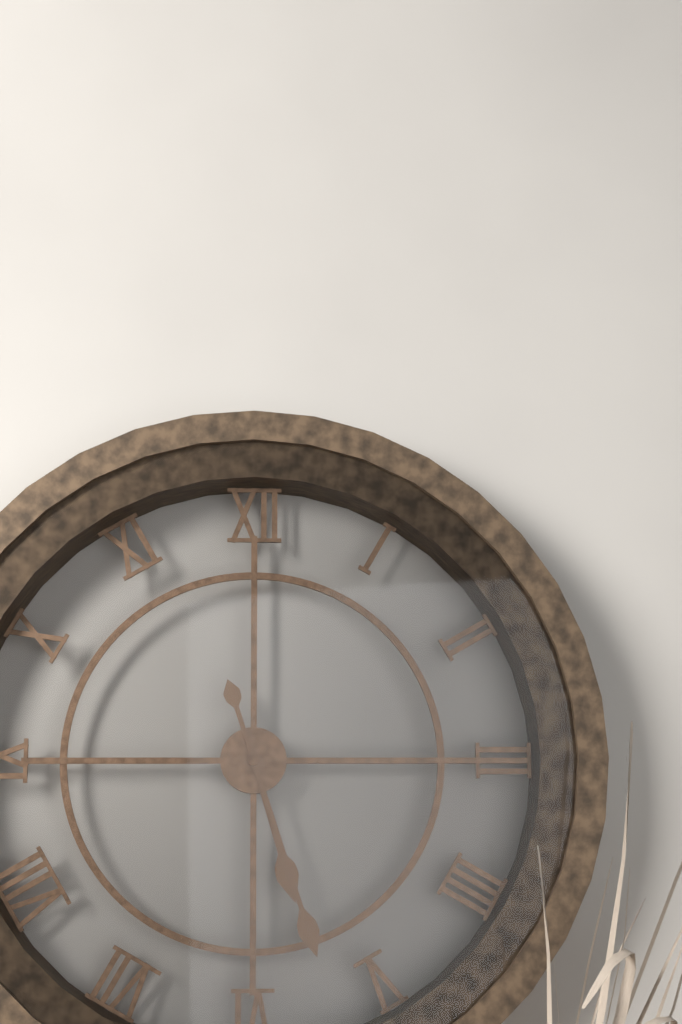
5h27
